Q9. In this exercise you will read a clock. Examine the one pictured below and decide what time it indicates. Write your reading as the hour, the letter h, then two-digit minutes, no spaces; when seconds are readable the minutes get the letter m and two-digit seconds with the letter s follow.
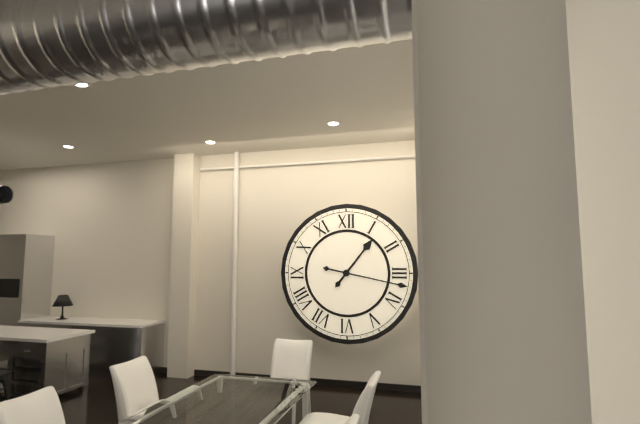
1h17
